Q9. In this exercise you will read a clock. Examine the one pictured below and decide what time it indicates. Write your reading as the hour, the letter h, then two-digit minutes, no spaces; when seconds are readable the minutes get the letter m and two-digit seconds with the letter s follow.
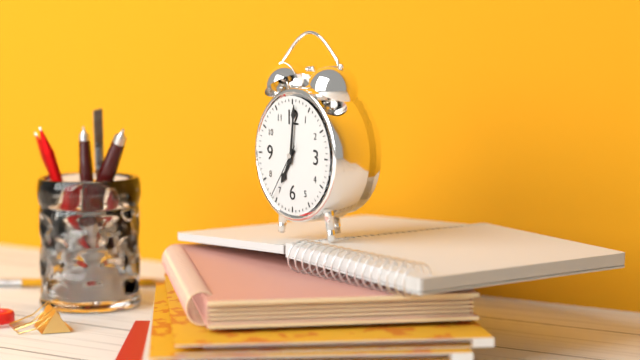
7h01m36s
